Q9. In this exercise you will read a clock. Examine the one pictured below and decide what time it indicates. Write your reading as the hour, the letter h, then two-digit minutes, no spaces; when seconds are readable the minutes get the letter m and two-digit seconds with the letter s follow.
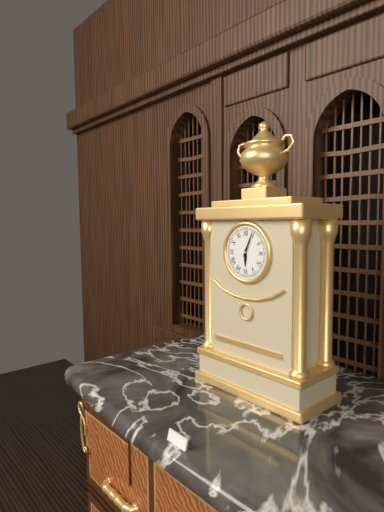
6h04
